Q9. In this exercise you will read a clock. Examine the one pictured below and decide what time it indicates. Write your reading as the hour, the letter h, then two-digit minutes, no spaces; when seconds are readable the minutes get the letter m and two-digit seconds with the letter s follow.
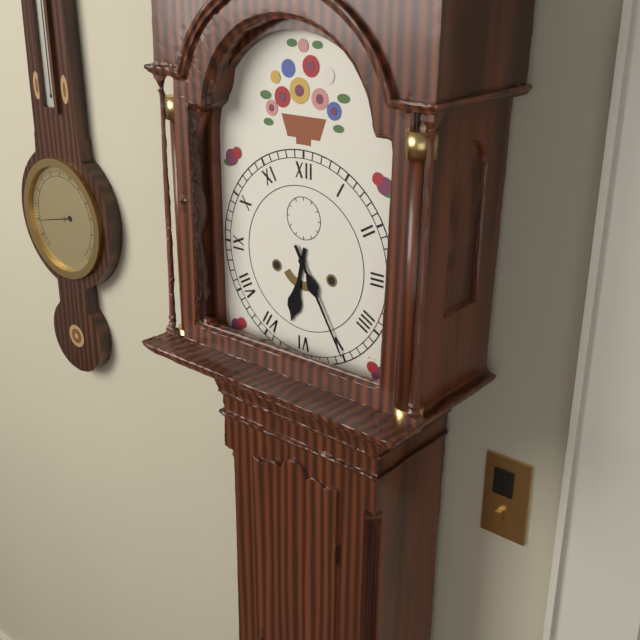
6h25
